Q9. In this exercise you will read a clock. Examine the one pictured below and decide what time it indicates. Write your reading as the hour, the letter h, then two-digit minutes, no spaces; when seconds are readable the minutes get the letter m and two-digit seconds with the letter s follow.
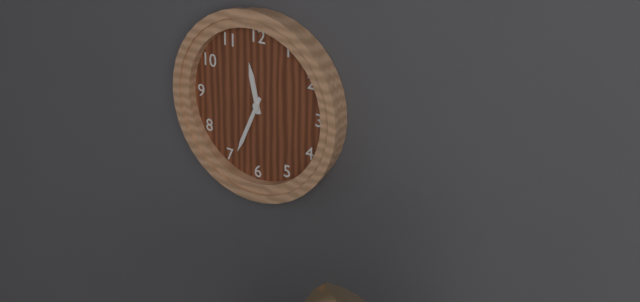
11h34
